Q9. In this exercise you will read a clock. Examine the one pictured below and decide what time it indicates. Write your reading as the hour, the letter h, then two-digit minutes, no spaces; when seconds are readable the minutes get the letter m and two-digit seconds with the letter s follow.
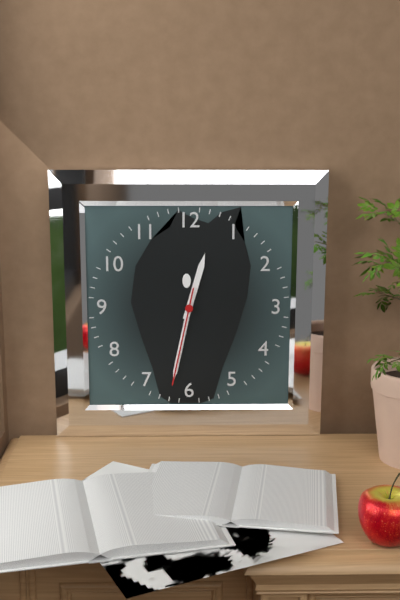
12h32m32s
